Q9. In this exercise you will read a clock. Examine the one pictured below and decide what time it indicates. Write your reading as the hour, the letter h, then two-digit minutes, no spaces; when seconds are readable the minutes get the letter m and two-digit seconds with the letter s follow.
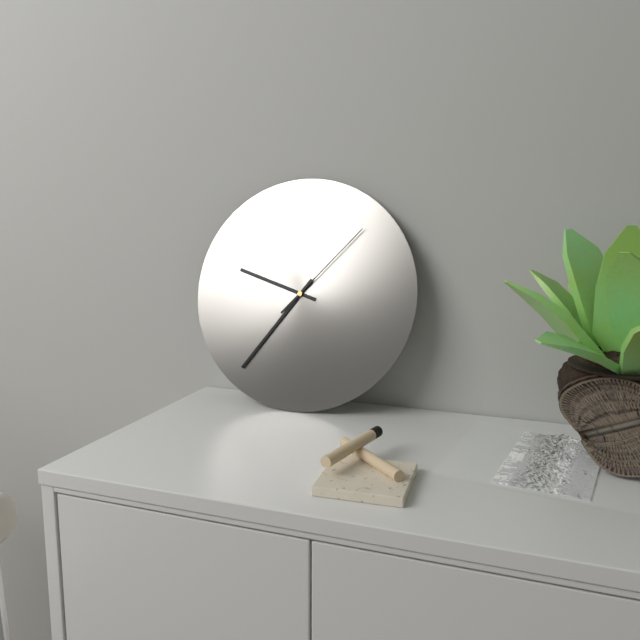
9h36m07s
